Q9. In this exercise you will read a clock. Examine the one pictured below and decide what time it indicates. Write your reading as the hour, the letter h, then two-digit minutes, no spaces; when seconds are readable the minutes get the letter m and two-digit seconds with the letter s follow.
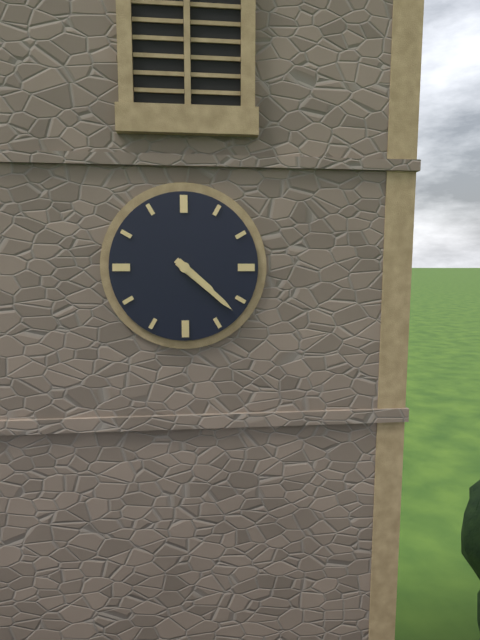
4h22
